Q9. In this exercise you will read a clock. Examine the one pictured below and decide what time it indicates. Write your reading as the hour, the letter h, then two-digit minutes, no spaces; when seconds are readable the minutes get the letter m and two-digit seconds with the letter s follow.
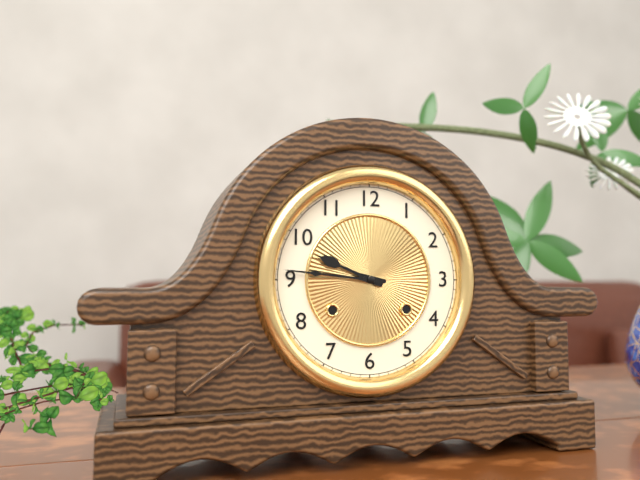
9h46
